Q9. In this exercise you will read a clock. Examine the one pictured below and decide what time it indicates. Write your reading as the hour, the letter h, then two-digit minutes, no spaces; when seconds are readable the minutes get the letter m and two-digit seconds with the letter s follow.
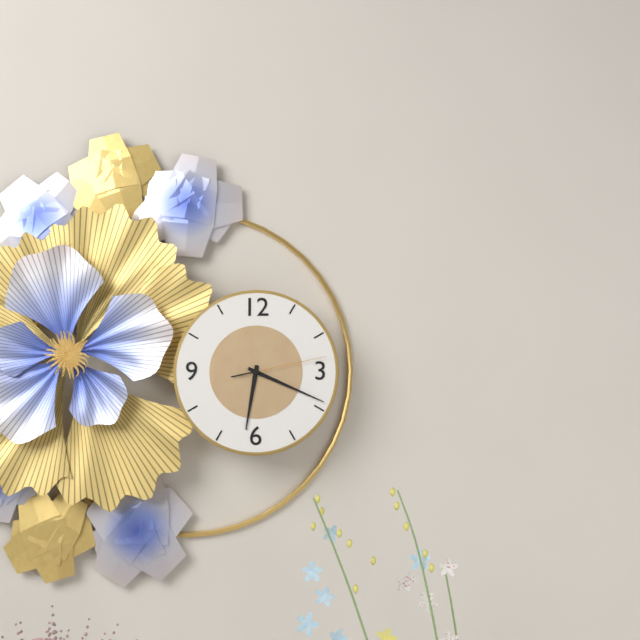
6h19m13s
